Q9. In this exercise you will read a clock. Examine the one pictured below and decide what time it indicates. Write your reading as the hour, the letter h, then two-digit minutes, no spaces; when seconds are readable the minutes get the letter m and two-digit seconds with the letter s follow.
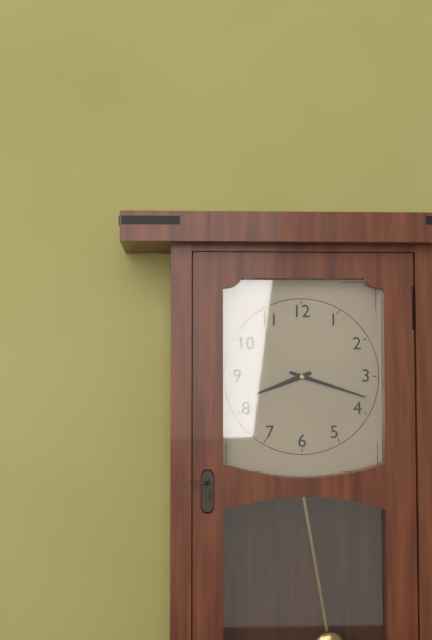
8h18
